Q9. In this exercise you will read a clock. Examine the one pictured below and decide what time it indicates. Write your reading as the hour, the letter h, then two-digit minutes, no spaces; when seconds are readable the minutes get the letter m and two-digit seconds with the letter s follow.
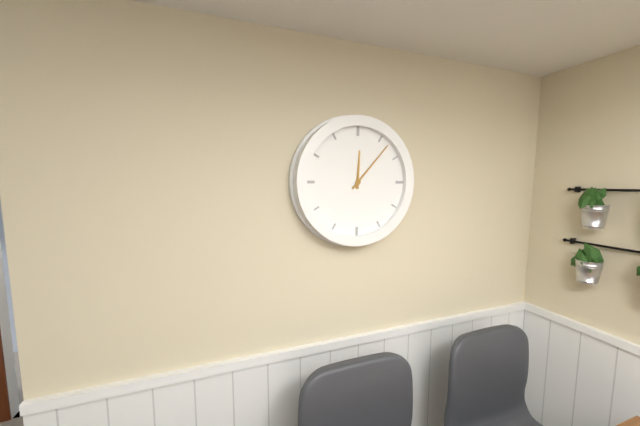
12h07
